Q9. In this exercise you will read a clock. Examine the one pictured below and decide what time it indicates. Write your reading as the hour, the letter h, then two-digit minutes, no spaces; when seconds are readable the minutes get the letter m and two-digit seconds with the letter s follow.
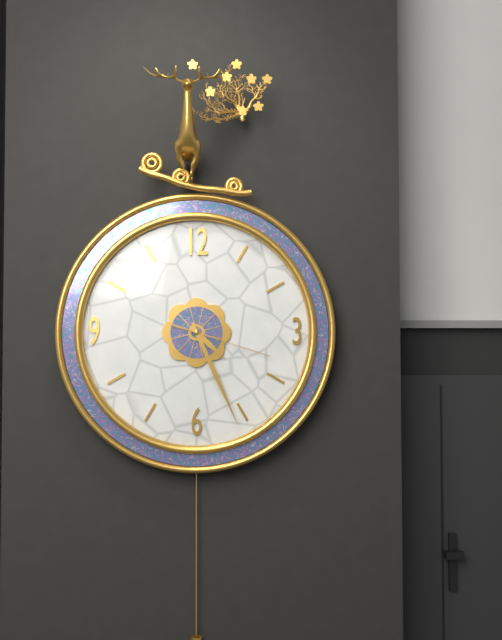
4h26m18s
